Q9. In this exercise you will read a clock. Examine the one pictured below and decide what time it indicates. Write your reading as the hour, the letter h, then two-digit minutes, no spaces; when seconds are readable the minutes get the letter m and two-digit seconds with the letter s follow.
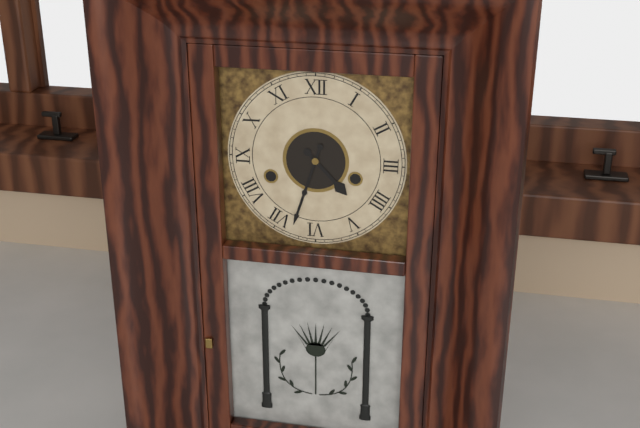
4h33
